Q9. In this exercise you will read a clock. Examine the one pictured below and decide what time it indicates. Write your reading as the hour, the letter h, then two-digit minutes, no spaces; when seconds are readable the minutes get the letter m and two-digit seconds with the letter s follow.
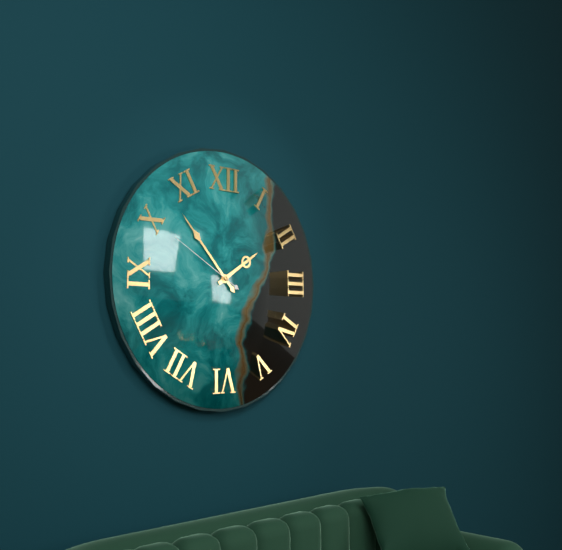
1h53m50s
